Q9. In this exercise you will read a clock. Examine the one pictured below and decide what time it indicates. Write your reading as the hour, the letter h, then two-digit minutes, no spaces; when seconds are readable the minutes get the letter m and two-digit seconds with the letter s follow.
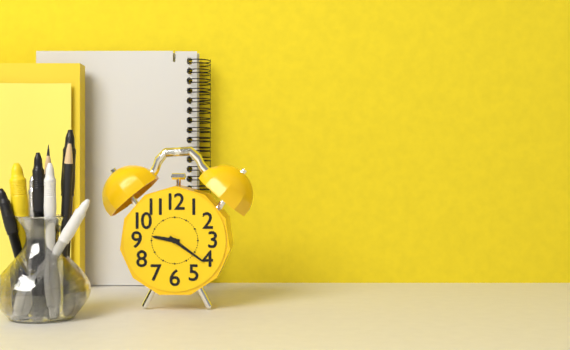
9h21
